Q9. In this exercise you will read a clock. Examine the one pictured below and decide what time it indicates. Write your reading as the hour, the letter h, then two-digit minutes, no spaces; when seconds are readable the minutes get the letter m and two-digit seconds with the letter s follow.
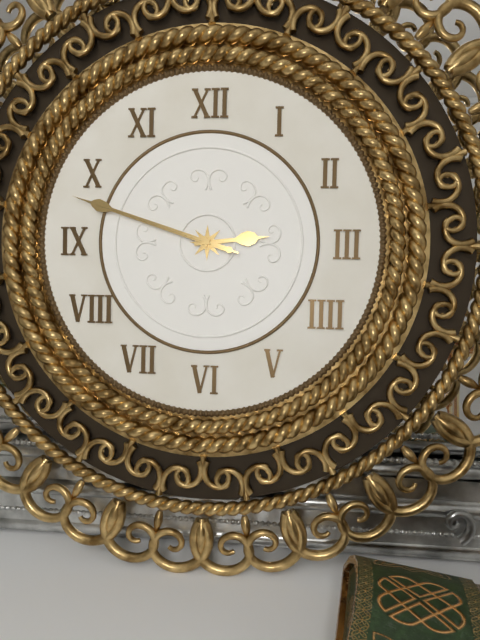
2h48m48s
